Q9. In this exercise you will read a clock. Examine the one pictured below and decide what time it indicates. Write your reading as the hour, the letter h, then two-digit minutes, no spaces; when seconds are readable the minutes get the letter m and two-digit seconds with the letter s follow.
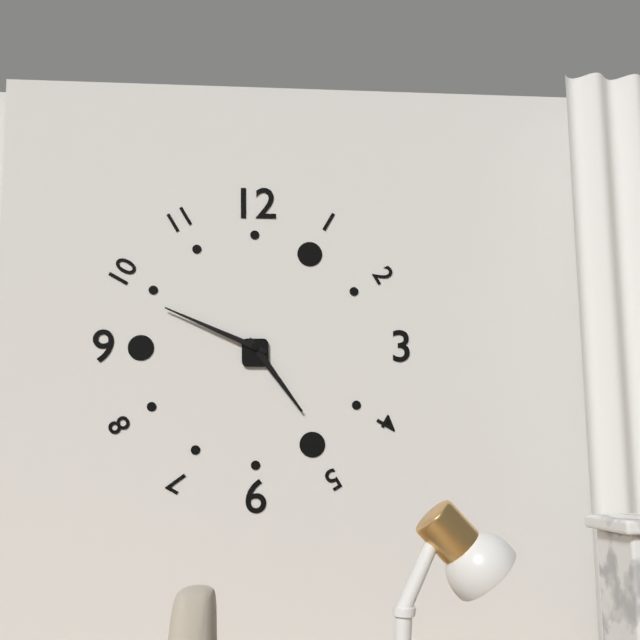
4h49
